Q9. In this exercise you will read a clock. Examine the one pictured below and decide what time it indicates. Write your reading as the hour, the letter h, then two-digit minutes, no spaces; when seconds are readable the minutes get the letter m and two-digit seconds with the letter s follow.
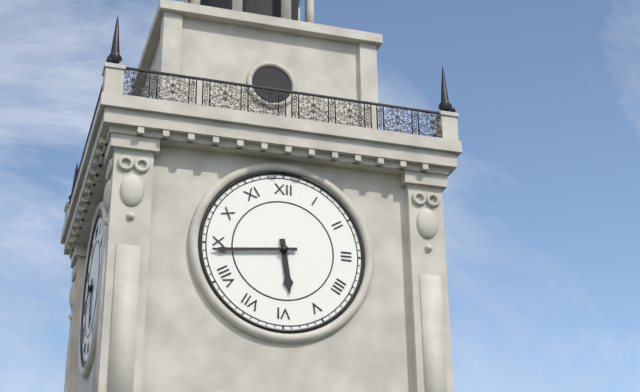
5h44
